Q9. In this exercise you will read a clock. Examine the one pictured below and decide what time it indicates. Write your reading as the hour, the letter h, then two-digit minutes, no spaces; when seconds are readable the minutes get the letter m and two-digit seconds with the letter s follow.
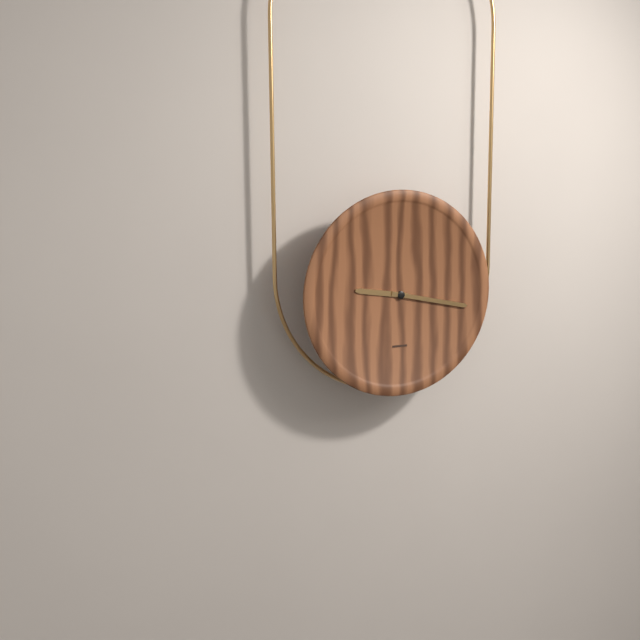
9h17
